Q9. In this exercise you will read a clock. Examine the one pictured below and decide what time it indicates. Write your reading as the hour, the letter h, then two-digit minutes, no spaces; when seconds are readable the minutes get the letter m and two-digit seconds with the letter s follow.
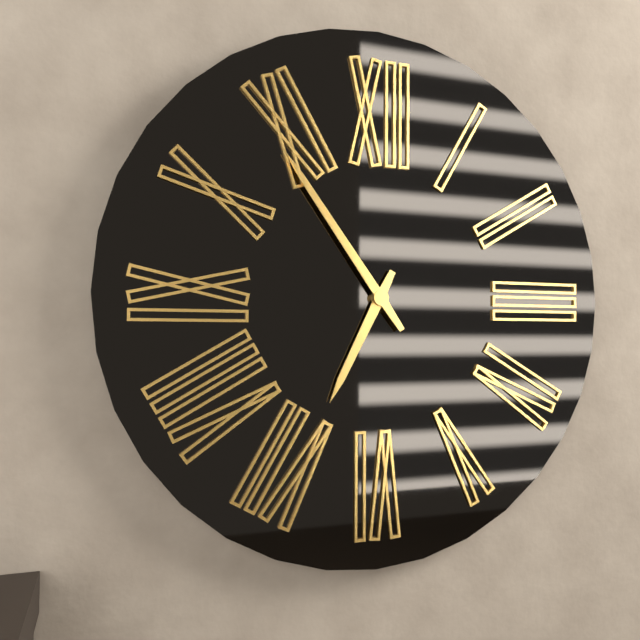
6h54
